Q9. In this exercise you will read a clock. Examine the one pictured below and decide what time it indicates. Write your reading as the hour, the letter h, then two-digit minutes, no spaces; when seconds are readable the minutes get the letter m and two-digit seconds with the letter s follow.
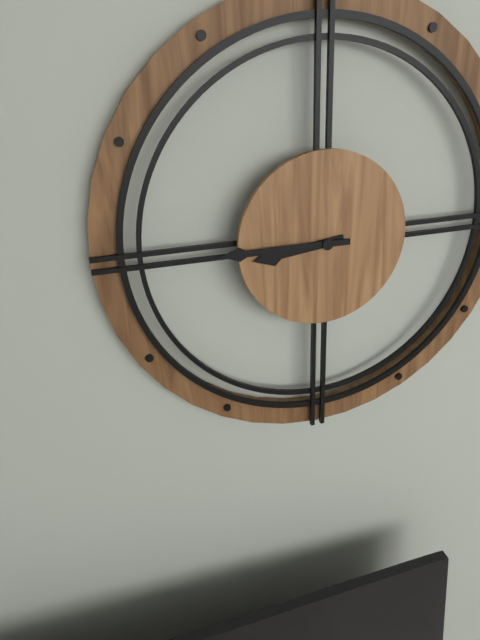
8h45
